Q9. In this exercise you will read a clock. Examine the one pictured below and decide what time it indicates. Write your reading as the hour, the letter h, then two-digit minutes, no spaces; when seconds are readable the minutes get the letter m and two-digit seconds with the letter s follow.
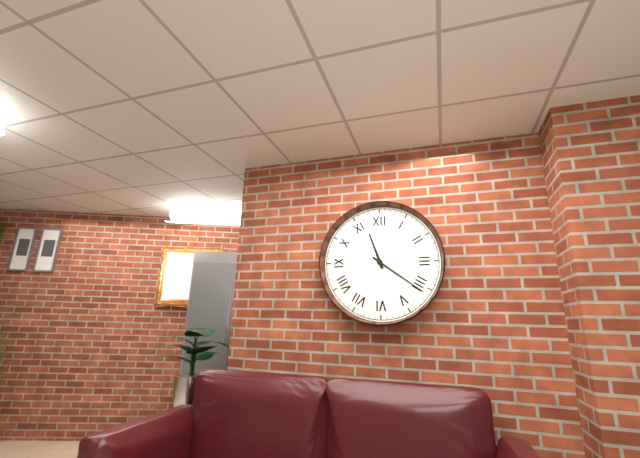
11h21
